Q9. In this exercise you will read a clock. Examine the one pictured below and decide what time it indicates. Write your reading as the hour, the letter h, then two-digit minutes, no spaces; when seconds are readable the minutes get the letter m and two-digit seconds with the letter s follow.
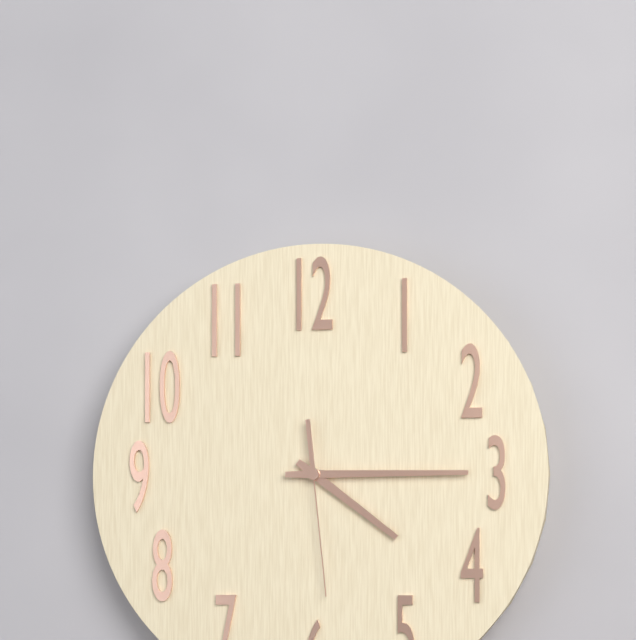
4h15m29s
